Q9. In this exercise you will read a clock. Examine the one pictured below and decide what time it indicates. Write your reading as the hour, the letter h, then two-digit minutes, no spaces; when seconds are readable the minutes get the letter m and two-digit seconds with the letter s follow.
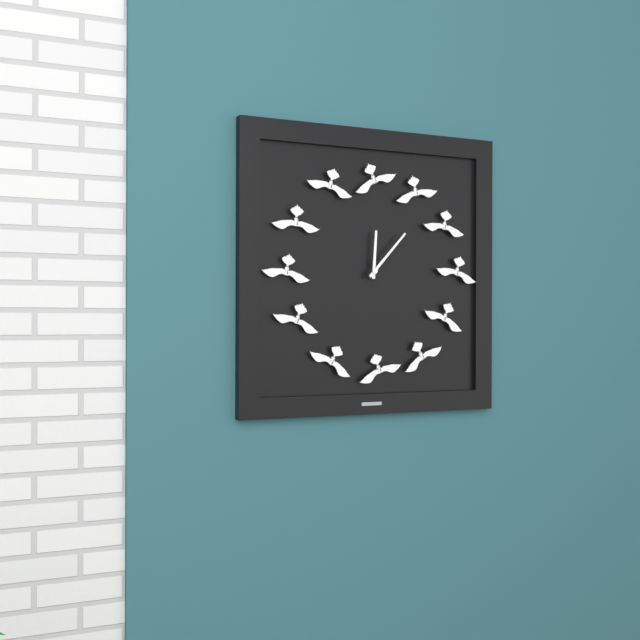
12h07
